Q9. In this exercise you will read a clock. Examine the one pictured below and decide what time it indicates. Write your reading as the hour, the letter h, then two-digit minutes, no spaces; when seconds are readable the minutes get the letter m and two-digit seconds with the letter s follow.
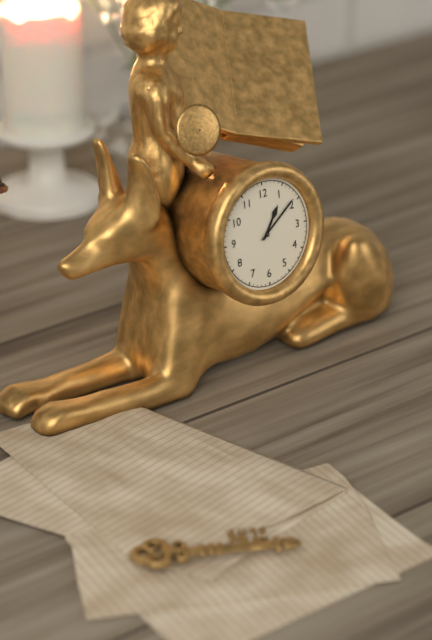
1h09
